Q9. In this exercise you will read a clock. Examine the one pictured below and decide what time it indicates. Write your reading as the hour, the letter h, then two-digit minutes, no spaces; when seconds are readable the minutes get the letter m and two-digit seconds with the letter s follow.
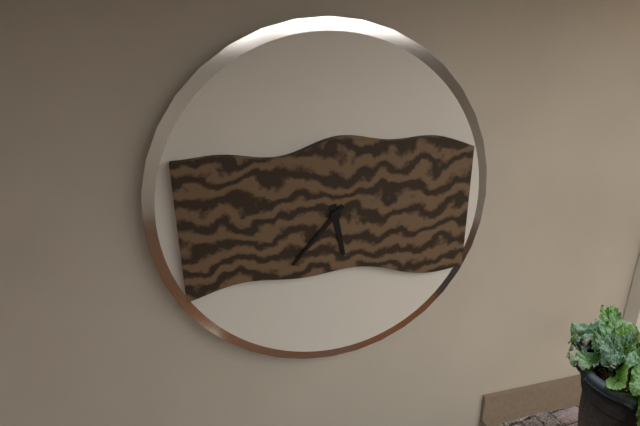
5h37
